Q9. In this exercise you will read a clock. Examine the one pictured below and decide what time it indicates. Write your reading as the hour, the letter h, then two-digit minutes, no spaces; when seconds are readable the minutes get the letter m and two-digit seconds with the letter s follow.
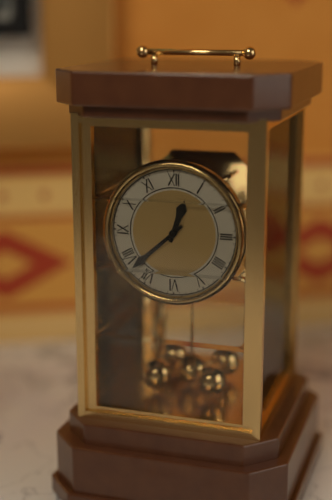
12h38
